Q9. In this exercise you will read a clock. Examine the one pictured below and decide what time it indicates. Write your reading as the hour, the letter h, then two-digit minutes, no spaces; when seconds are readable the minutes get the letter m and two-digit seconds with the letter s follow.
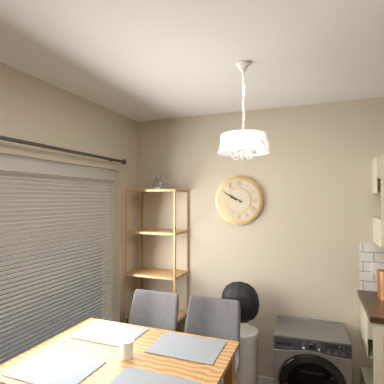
9h50
